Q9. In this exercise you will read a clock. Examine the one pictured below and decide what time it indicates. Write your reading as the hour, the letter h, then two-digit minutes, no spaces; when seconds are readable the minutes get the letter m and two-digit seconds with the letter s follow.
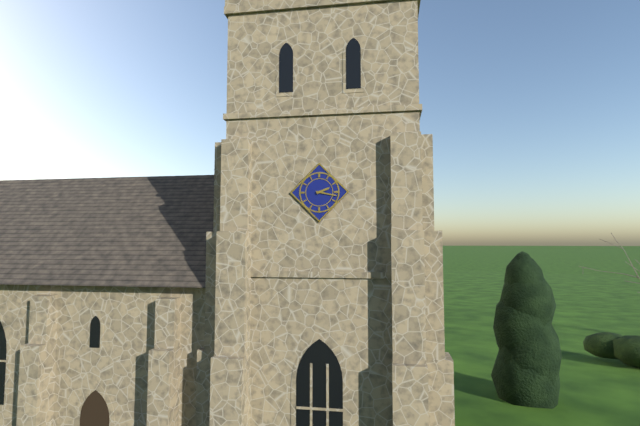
2h17
